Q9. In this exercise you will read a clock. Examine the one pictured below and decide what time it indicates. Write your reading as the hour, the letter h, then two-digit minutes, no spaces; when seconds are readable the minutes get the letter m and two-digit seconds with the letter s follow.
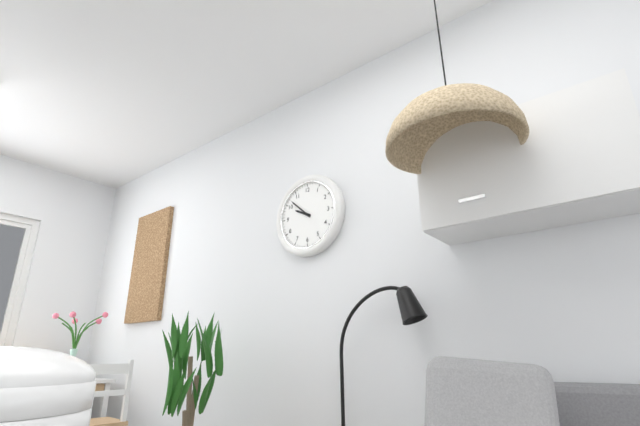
9h52
